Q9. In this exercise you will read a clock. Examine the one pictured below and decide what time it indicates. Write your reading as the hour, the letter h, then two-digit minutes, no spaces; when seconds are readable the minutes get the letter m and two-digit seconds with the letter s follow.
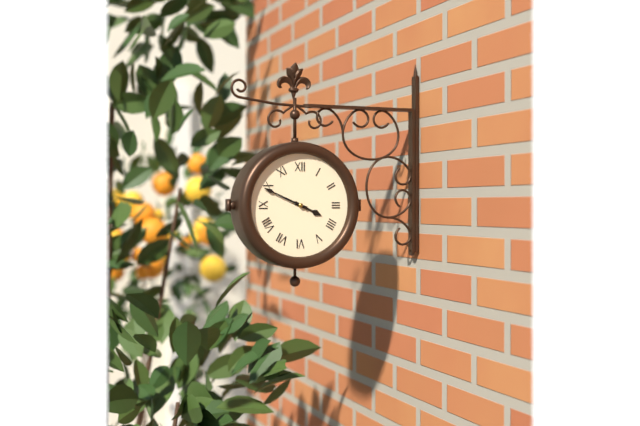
3h49
